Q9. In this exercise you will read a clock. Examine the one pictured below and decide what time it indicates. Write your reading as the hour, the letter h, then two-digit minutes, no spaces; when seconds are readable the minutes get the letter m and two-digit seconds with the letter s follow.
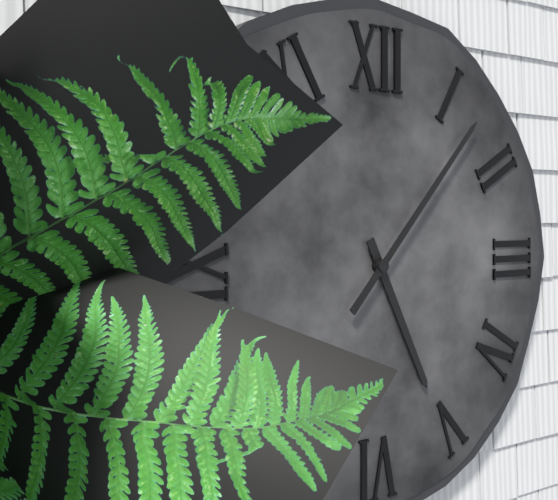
5h07
